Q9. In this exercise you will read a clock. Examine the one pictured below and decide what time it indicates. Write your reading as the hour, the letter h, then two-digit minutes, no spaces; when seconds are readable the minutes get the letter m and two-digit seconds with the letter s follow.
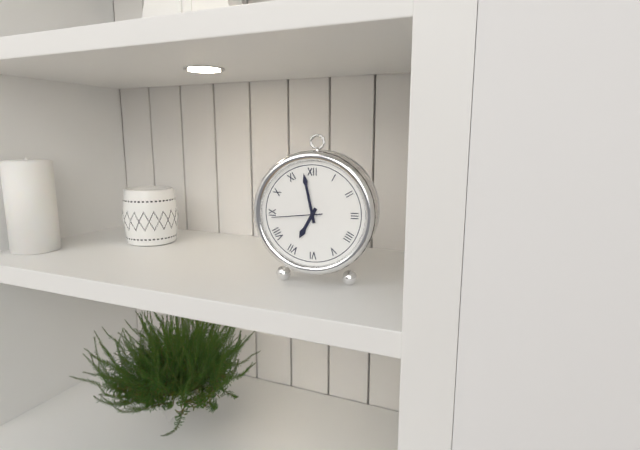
6h58m44s
